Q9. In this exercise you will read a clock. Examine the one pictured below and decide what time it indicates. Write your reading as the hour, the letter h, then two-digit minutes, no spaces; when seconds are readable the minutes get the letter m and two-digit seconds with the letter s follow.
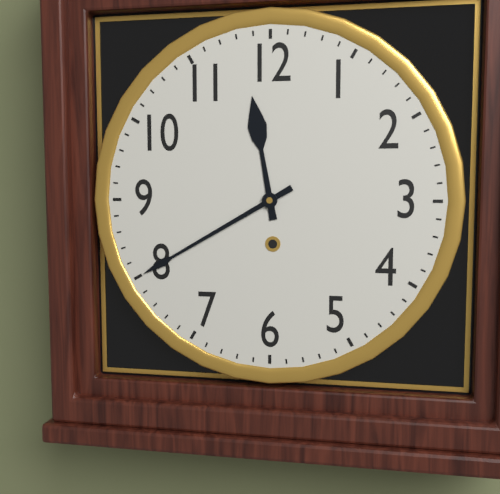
11h40
